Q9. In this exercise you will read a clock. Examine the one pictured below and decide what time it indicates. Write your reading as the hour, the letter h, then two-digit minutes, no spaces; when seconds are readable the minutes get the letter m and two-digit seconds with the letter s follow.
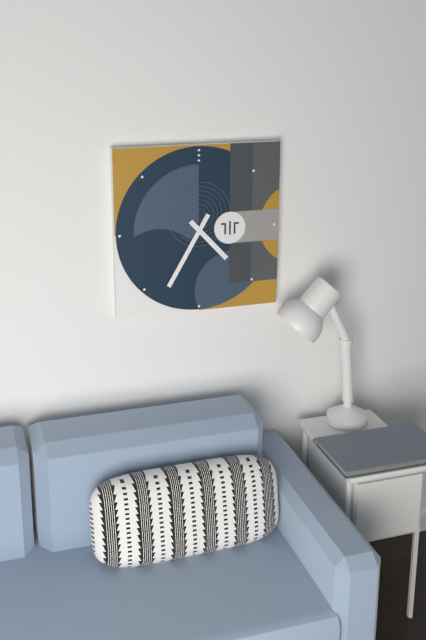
4h35
